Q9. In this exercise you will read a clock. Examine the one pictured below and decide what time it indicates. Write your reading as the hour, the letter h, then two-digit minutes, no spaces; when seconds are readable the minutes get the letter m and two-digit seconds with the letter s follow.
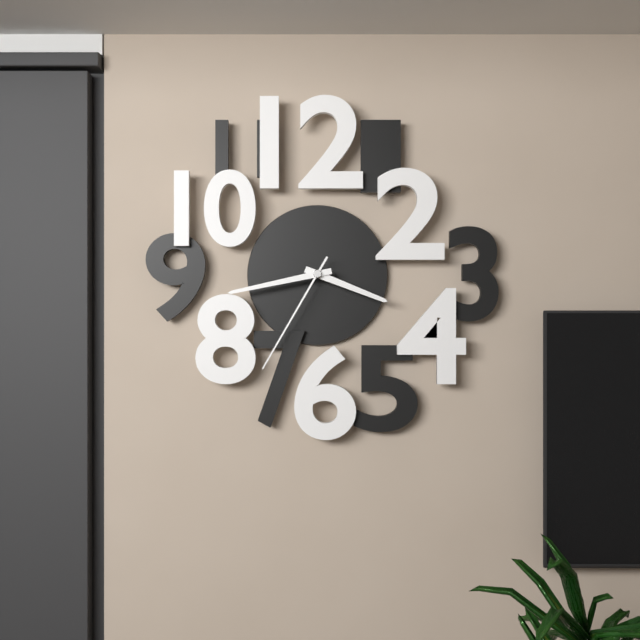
3h43m35s
